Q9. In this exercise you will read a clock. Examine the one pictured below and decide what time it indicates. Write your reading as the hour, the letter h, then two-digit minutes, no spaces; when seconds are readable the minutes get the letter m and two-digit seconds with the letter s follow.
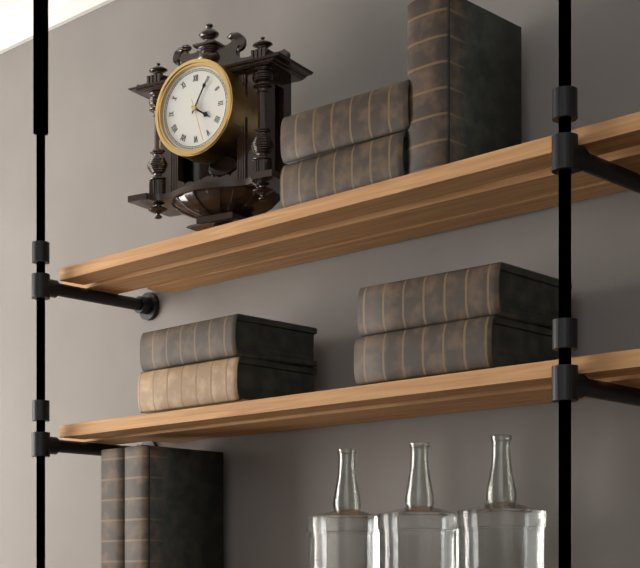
4h05
